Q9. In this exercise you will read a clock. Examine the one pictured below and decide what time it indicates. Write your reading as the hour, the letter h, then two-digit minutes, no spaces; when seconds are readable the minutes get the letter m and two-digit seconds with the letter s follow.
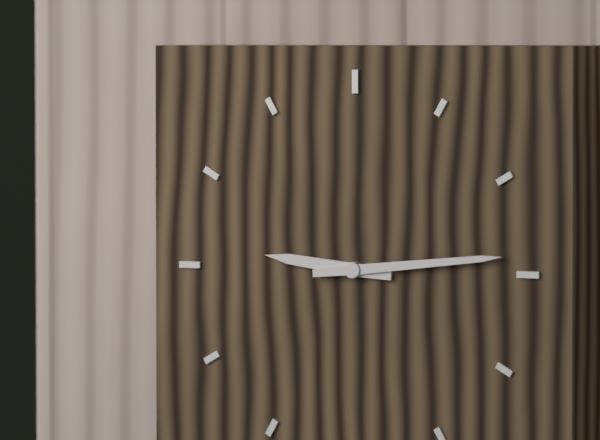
9h14
